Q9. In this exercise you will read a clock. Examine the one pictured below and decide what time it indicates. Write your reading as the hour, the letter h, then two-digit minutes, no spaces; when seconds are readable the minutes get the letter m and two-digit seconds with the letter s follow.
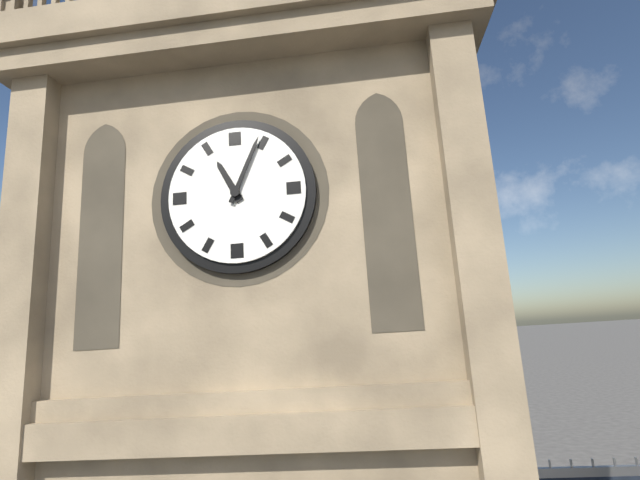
11h04
